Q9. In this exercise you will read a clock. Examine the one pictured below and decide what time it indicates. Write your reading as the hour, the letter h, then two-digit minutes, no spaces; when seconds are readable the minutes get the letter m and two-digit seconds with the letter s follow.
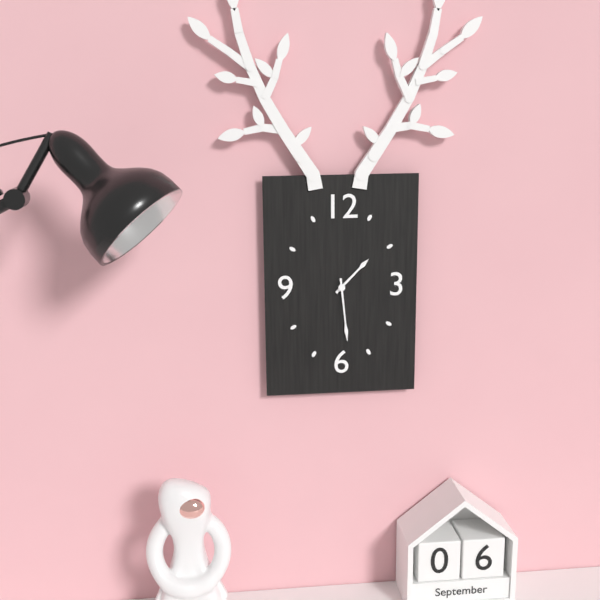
1h29
